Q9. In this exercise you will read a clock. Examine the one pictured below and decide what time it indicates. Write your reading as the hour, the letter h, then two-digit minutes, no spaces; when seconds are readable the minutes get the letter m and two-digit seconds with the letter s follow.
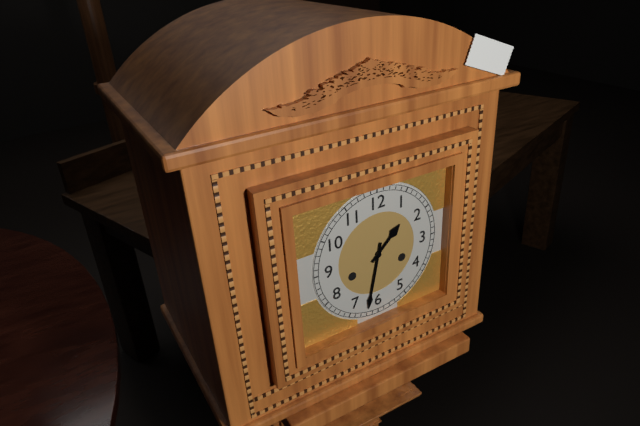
1h32
